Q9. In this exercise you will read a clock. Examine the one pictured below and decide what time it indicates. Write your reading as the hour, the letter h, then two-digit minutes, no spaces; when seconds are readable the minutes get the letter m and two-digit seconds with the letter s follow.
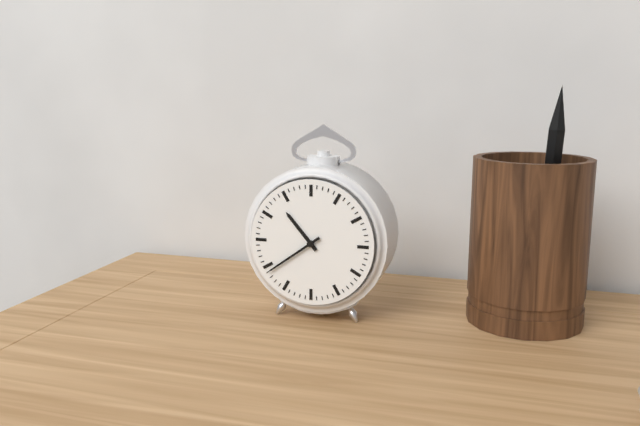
10h39
